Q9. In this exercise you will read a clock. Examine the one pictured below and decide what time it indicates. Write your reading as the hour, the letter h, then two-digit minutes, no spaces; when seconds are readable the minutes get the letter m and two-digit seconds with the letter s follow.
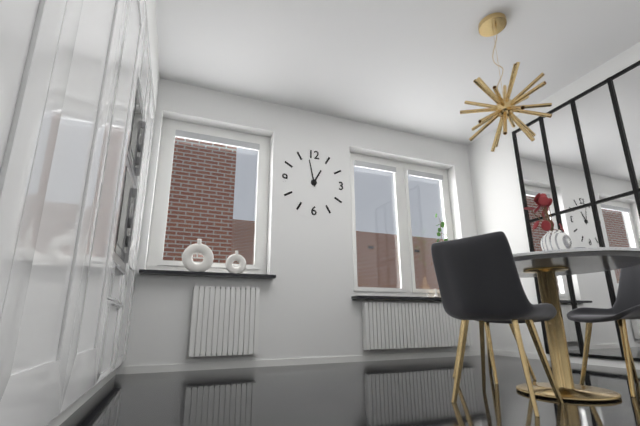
12h58
